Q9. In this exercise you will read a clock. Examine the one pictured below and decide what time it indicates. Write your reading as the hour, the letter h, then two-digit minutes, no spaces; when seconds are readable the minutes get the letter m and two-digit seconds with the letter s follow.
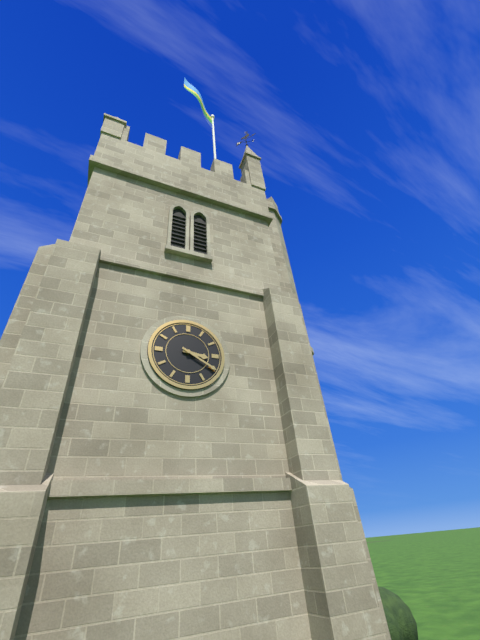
3h20
